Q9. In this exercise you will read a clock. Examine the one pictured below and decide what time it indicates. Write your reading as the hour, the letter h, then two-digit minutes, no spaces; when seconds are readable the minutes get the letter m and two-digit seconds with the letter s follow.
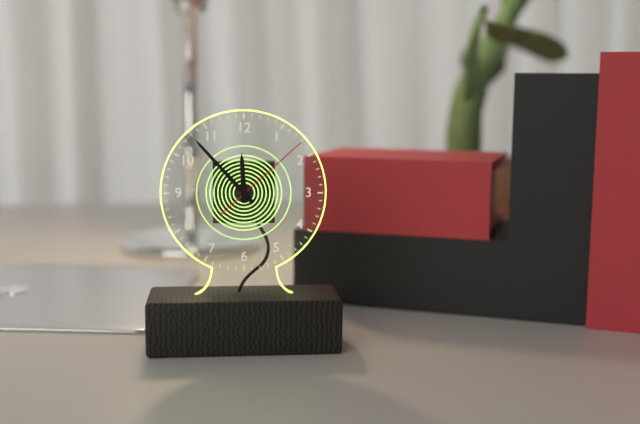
11h53m08s
